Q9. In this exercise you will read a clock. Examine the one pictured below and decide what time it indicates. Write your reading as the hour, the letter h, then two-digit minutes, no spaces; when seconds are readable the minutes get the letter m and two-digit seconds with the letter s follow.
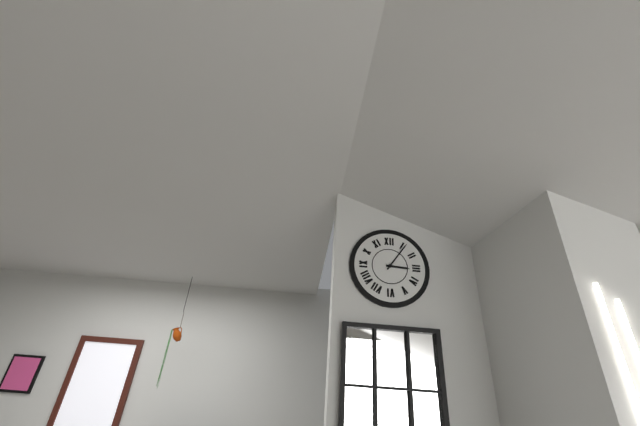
3h06
